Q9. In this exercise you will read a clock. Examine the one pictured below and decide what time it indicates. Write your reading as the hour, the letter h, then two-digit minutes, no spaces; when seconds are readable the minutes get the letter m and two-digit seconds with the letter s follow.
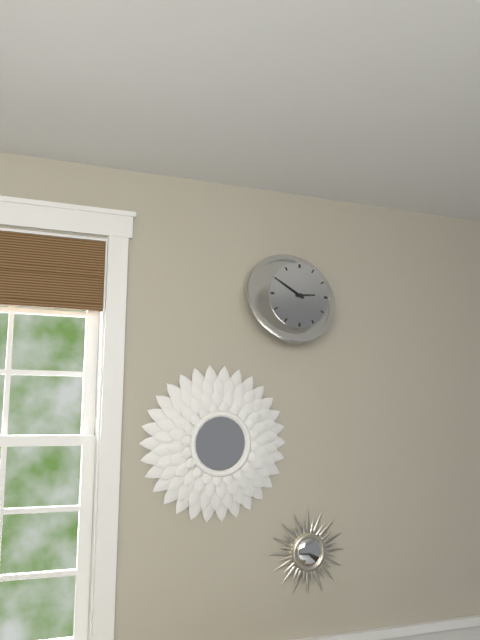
2h50
